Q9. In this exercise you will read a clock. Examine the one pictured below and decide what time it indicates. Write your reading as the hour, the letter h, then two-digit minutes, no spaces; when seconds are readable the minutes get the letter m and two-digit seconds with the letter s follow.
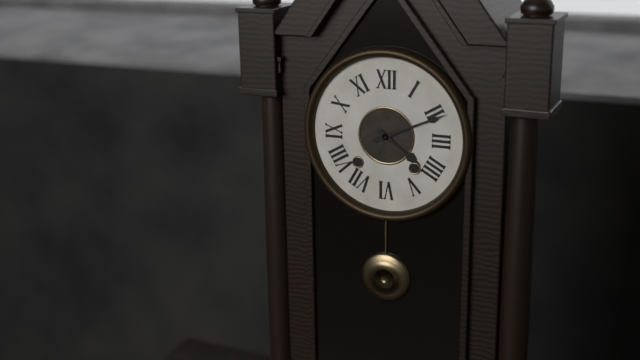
4h11
